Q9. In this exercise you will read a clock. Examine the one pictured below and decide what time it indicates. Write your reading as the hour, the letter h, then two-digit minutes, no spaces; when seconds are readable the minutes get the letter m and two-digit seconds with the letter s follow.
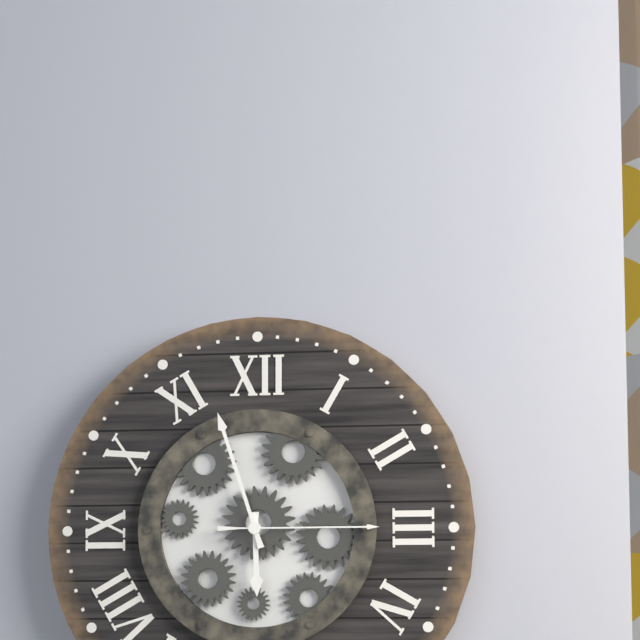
5h57m15s
